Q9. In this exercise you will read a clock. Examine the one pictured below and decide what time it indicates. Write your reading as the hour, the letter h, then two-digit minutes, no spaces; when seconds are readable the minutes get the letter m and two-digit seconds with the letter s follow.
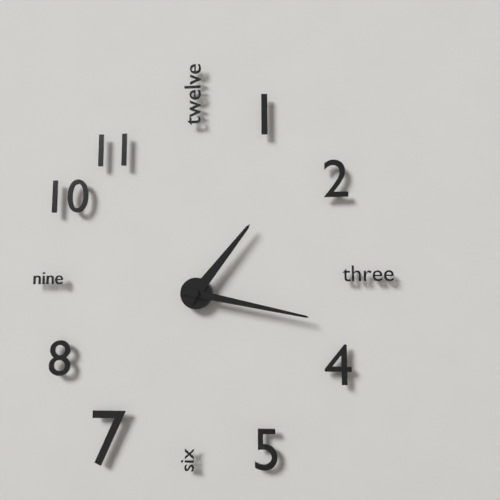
1h17
